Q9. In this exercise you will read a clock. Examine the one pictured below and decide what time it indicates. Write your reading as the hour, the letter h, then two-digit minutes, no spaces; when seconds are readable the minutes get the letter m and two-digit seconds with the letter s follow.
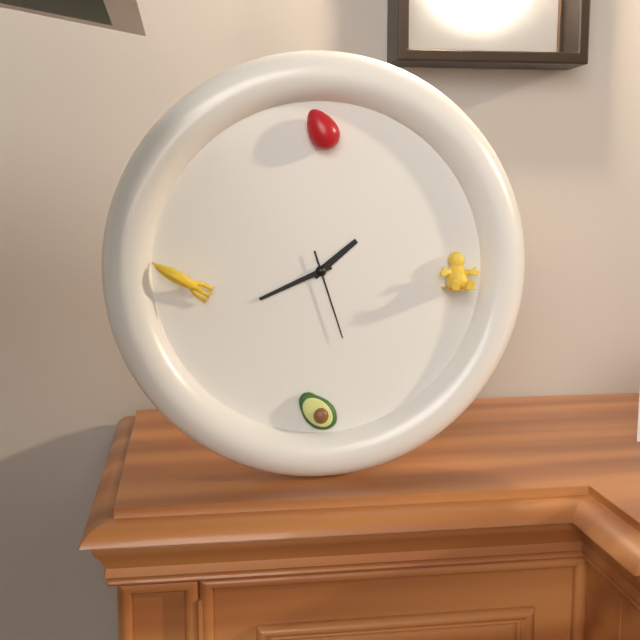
1h41m27s
